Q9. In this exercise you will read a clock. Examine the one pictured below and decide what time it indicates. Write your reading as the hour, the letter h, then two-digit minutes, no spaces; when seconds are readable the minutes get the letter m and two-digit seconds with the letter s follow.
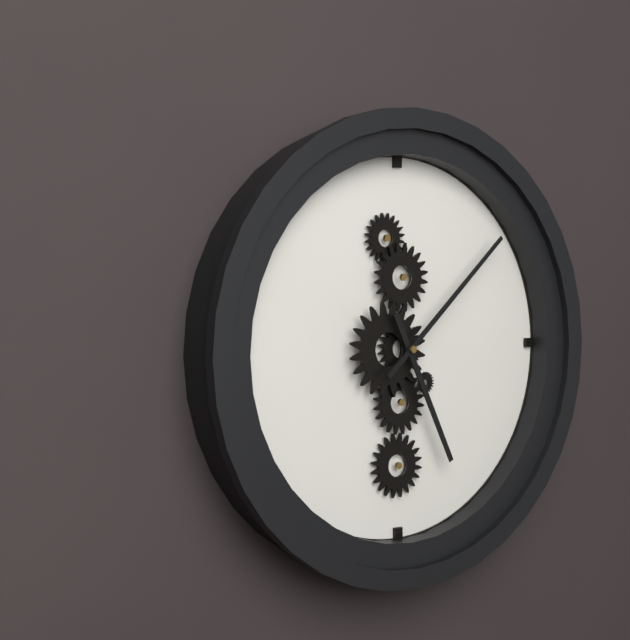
5h08
